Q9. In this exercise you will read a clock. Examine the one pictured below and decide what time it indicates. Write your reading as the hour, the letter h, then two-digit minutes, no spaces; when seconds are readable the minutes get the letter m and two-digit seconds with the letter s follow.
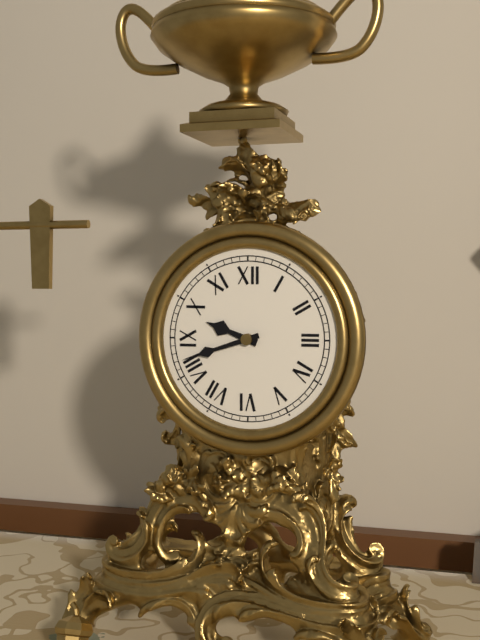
9h42
